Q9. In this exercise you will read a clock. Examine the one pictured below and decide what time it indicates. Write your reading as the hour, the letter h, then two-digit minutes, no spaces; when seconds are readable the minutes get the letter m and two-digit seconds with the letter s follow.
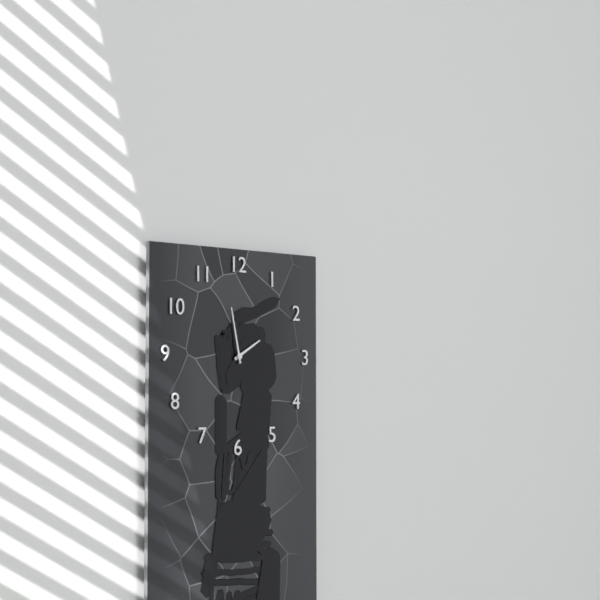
1h58
